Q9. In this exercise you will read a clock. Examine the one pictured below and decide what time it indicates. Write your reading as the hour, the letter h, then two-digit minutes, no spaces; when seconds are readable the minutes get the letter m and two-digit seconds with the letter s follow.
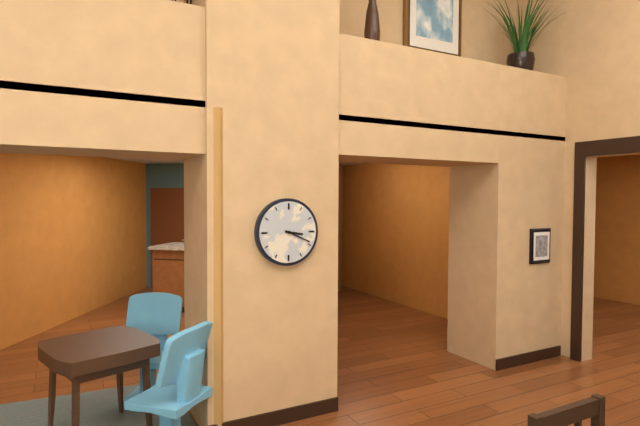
3h19
